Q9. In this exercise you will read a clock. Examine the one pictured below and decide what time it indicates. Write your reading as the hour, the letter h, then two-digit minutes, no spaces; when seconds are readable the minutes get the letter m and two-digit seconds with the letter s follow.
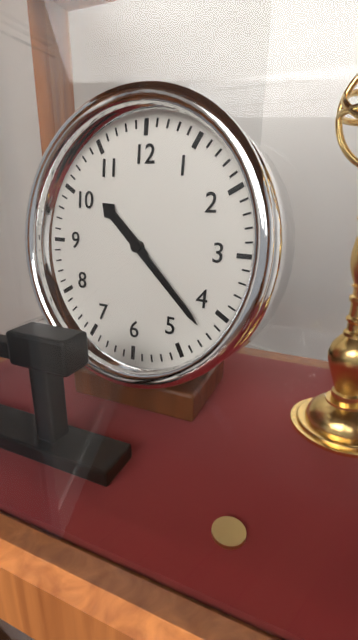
10h22
